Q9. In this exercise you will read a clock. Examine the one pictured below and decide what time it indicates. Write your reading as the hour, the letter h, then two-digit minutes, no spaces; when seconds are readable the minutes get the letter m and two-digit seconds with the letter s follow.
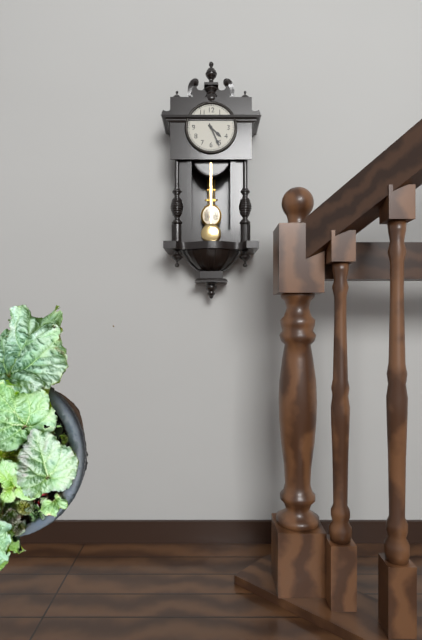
4h26
